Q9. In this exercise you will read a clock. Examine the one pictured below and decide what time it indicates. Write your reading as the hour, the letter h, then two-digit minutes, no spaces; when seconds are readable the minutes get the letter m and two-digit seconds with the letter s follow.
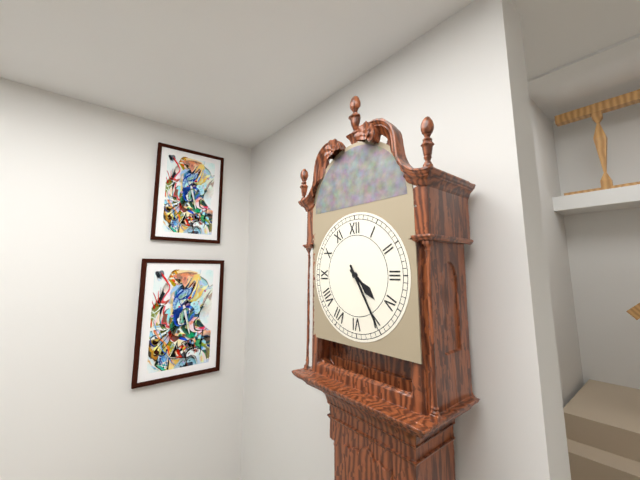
4h25
